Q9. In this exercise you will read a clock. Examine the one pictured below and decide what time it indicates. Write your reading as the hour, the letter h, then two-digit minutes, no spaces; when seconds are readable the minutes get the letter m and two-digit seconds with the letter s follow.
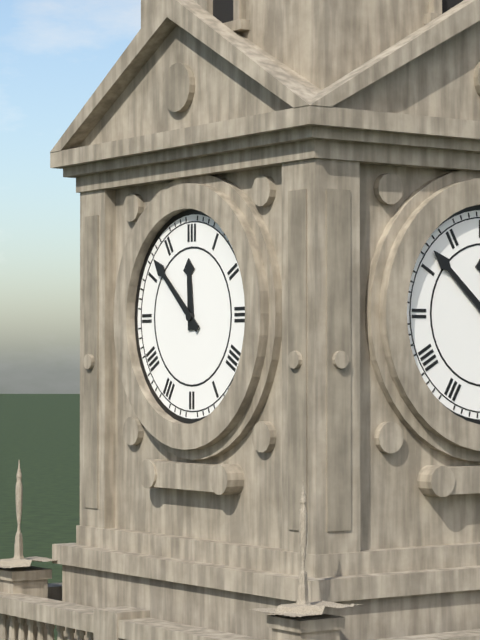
11h52
